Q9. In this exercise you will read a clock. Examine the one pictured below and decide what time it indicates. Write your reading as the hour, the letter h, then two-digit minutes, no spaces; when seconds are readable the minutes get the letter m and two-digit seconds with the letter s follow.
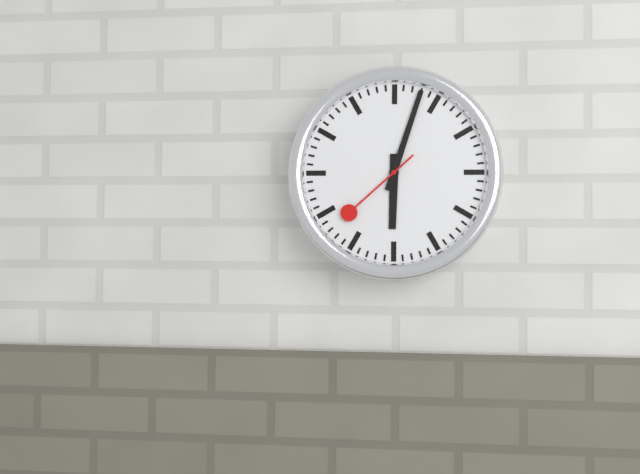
6h03m38s
